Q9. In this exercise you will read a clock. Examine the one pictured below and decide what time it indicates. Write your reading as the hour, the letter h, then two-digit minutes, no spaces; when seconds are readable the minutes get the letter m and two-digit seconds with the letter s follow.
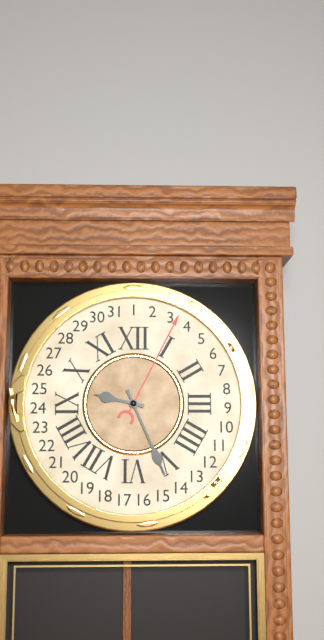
9h26
